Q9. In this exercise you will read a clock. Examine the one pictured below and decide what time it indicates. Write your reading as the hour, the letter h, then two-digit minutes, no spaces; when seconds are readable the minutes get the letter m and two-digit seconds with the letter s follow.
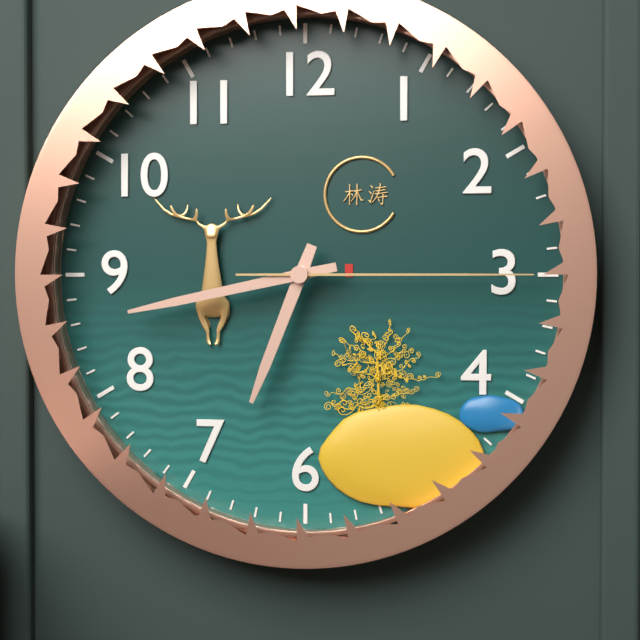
6h43m15s
